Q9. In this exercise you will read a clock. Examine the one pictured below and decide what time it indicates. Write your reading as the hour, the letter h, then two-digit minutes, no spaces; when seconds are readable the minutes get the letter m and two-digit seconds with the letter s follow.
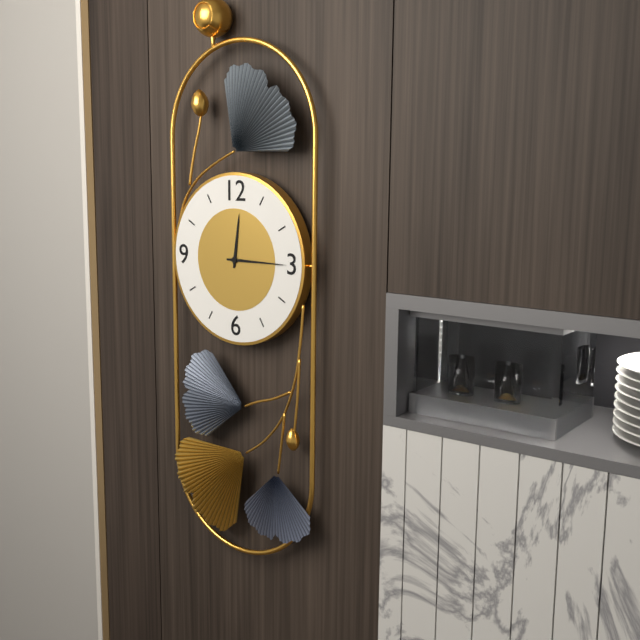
12h15
